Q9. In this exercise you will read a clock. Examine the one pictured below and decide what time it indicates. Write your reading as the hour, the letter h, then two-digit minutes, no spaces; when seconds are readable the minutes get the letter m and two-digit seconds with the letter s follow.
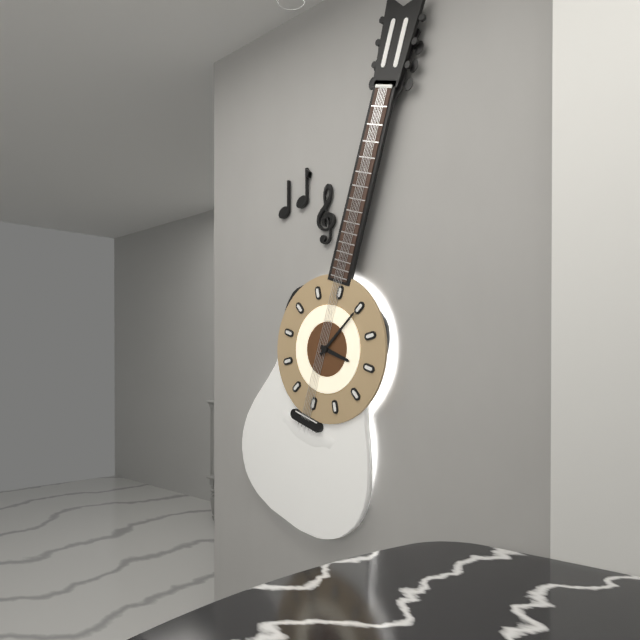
3h05
